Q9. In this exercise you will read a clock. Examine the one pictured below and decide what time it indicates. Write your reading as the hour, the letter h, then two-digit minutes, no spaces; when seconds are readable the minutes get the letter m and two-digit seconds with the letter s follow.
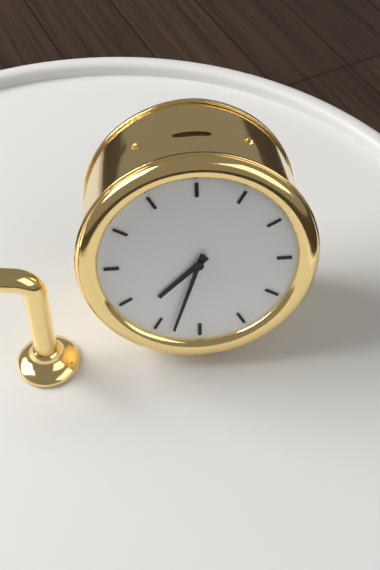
7h33
